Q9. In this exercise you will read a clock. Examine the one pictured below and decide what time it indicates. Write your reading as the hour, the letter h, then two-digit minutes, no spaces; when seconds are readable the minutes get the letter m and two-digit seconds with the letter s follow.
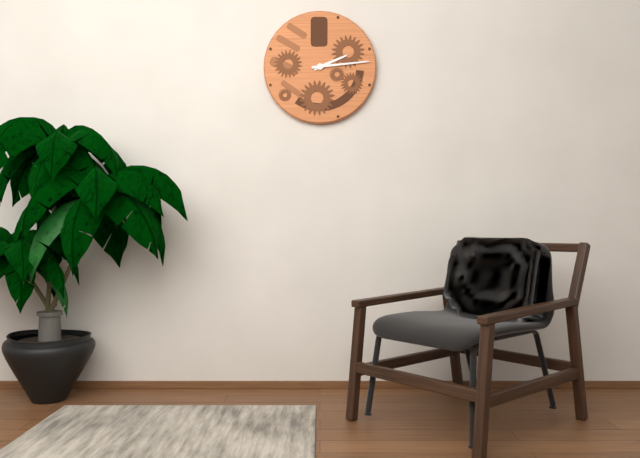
2h14
